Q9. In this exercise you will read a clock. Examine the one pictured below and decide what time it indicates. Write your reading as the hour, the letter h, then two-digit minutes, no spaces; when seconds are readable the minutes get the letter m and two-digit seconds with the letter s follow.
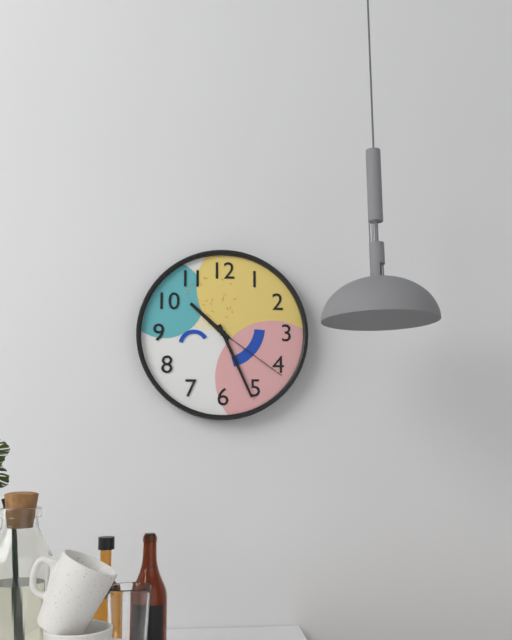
10h26m21s
